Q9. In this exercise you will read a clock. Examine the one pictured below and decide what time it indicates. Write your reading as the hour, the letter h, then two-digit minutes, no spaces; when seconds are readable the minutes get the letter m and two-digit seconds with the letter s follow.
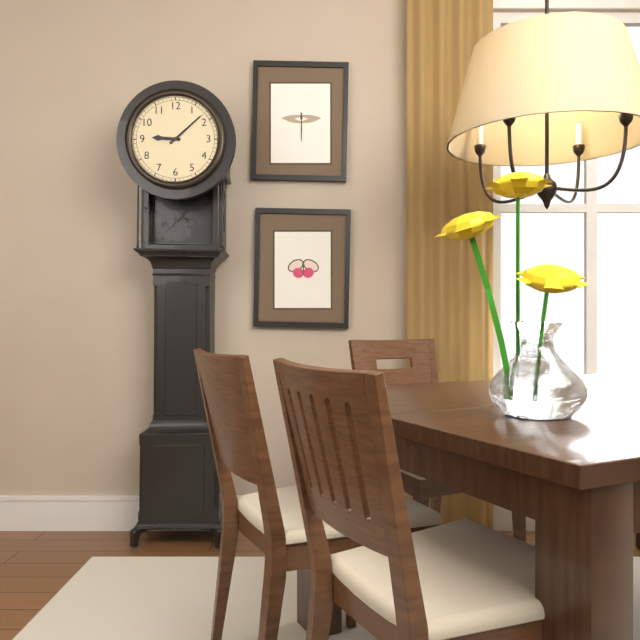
9h08
